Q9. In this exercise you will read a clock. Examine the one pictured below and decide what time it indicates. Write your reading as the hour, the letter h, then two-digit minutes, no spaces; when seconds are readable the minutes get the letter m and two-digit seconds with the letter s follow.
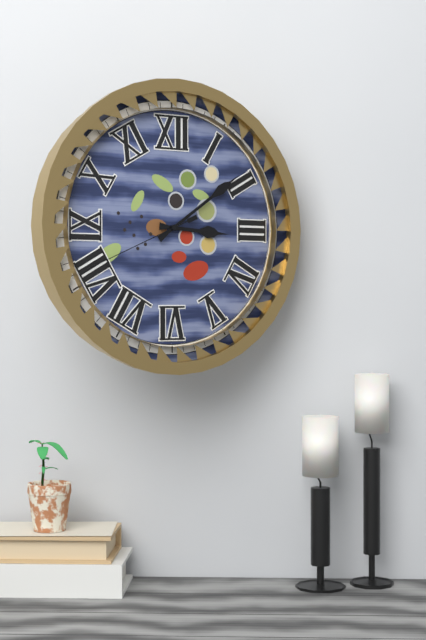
3h09m41s
